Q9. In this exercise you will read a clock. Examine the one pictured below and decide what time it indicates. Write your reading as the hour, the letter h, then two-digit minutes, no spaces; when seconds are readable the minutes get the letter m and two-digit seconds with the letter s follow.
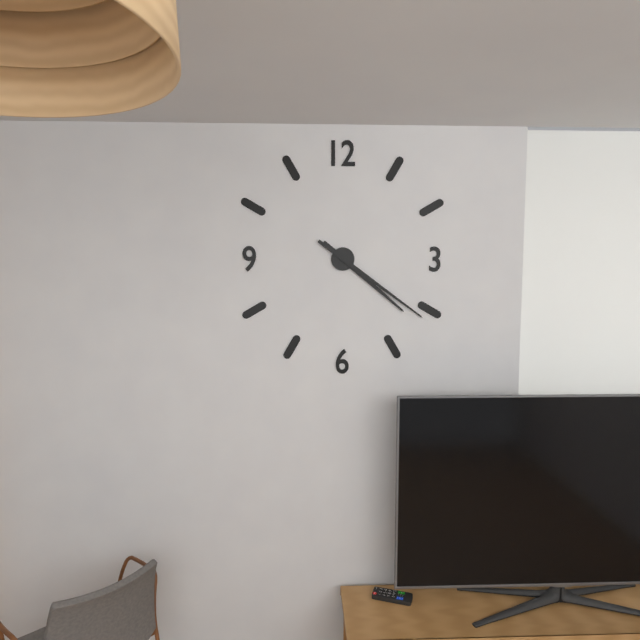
4h21
